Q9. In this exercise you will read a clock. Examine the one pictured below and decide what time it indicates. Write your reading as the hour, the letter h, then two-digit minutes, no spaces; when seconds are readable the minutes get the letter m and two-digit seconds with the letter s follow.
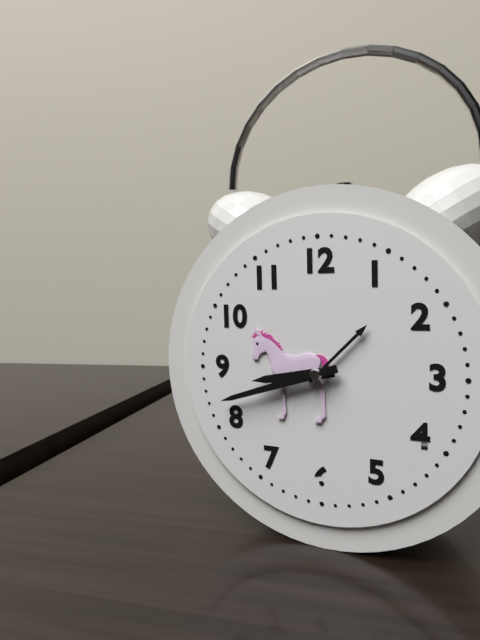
8h42
